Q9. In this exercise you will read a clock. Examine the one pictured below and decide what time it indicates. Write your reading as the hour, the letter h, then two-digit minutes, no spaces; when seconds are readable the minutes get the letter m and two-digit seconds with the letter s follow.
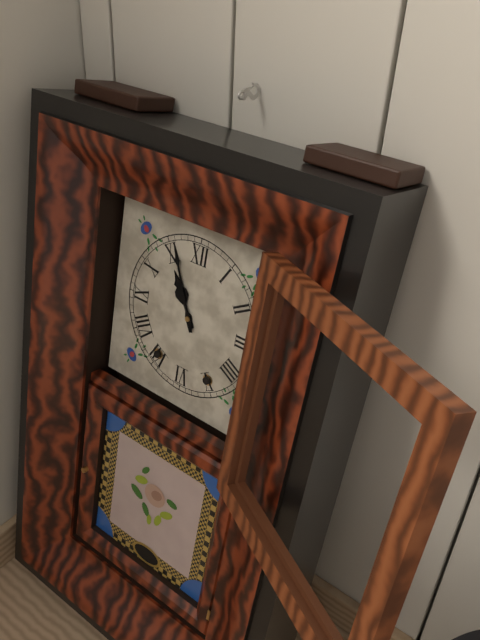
10h56
